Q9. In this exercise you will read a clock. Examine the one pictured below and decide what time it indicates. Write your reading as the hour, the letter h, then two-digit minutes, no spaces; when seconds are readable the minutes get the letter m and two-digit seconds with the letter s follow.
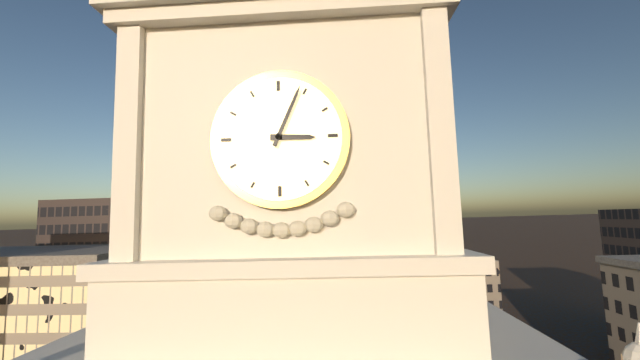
3h04
